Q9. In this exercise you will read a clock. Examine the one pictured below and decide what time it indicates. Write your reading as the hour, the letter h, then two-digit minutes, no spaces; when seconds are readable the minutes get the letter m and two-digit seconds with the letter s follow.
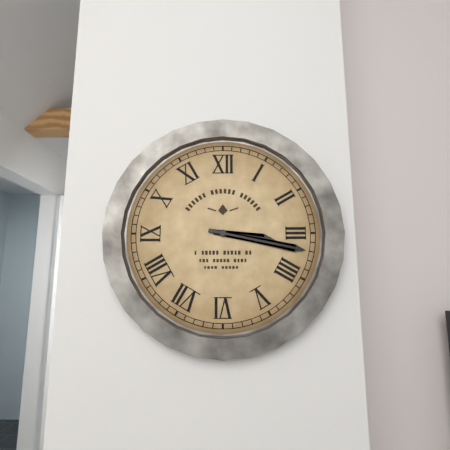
3h17
